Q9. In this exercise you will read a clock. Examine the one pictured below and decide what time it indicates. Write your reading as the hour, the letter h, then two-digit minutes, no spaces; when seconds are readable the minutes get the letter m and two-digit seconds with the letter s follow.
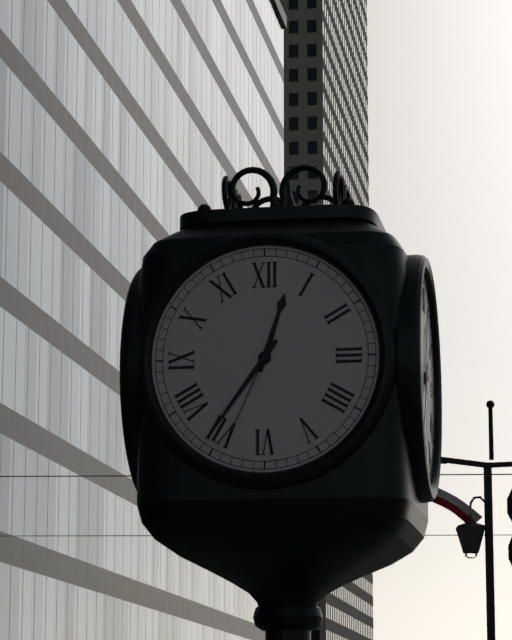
12h36m34s
